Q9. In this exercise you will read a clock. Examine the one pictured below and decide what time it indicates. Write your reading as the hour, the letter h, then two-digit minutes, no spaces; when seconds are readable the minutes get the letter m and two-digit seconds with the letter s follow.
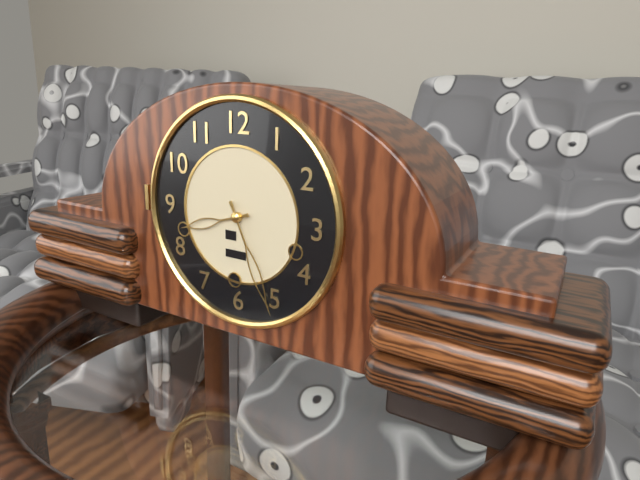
8h26
